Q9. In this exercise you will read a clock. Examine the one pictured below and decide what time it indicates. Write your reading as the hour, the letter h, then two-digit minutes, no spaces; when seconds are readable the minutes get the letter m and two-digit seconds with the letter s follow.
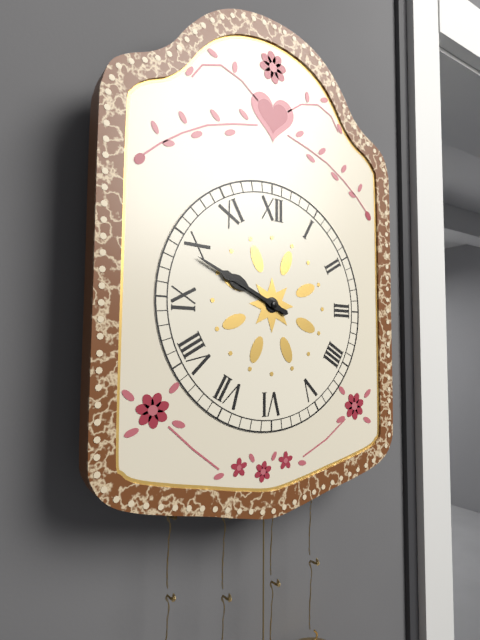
9h49
